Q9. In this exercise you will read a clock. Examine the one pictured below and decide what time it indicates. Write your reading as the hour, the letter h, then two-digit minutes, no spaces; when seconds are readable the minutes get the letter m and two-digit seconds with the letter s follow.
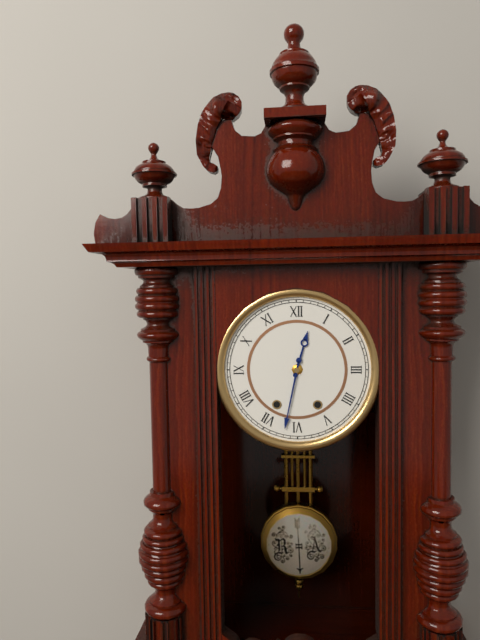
12h32
